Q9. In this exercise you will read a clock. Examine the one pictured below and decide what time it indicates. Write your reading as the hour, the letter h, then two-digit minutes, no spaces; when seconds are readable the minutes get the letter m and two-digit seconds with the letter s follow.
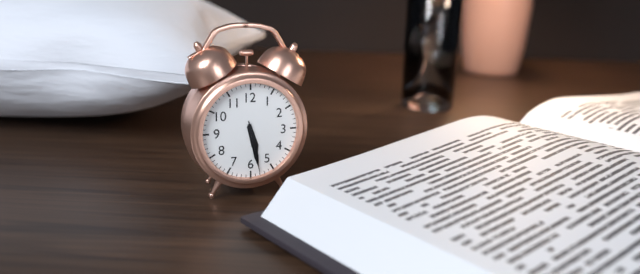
5h28m28s
